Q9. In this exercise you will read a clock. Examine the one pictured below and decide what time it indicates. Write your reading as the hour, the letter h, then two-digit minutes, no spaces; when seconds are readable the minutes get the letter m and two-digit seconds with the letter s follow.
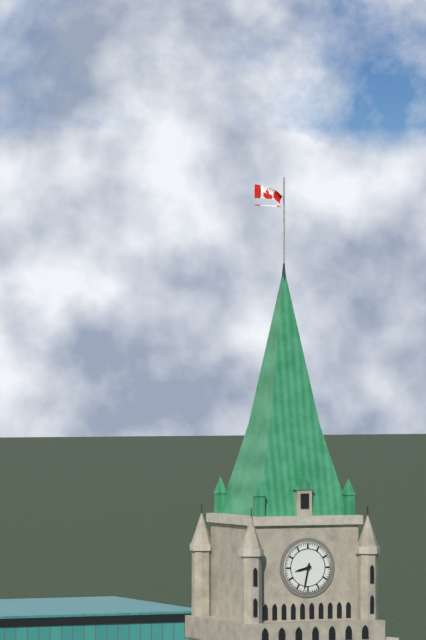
8h32
